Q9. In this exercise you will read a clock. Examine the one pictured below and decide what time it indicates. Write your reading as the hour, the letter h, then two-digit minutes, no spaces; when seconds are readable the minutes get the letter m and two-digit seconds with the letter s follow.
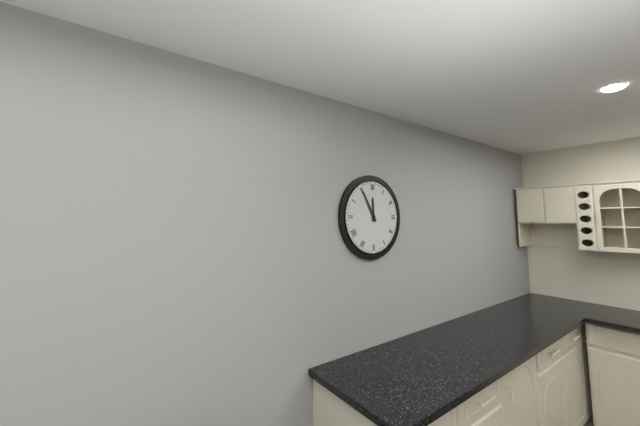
11h55
